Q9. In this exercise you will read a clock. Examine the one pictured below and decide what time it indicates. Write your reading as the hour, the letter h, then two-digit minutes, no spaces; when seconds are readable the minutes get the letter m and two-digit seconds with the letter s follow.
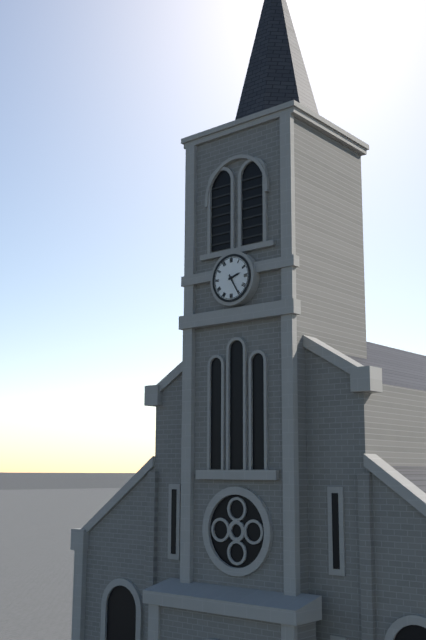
2h25
